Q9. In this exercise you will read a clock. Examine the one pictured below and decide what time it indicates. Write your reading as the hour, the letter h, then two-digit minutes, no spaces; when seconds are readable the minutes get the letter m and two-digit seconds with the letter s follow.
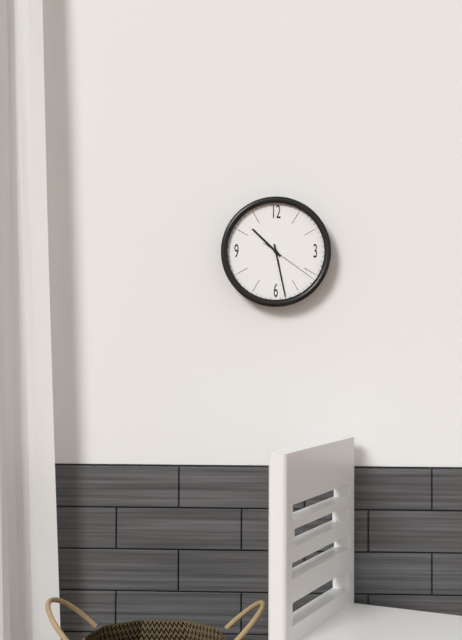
10h28m21s
